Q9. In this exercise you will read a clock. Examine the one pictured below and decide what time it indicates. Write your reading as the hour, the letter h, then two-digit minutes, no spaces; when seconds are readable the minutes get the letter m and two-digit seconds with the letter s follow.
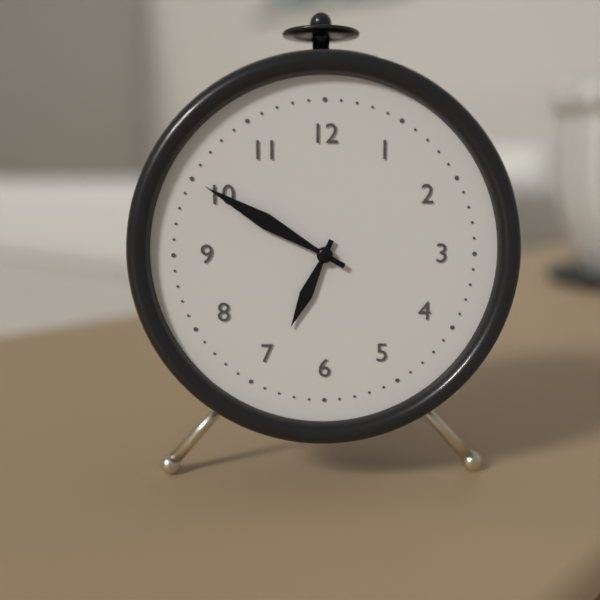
6h50
